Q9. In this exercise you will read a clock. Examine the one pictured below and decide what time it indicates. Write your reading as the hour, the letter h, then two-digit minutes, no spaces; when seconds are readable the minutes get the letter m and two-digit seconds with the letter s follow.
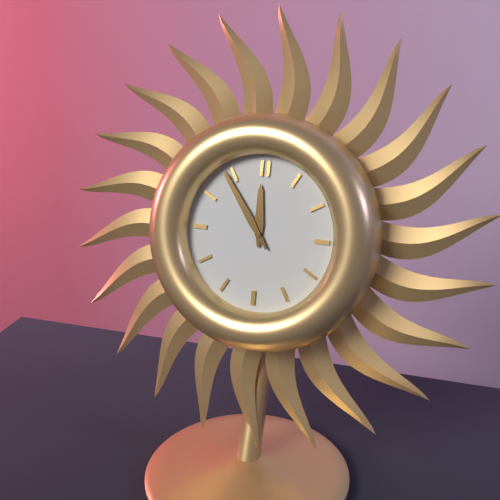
11h54
